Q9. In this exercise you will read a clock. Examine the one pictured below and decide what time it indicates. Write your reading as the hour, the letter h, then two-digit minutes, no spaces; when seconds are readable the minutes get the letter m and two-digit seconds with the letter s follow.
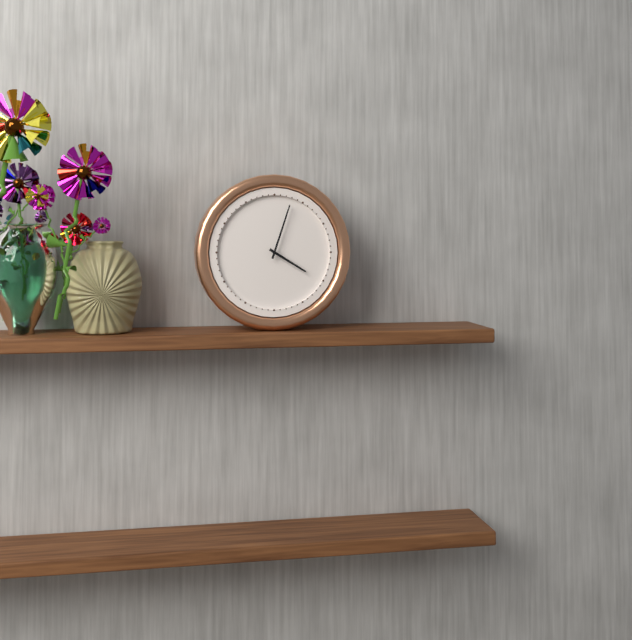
4h03
